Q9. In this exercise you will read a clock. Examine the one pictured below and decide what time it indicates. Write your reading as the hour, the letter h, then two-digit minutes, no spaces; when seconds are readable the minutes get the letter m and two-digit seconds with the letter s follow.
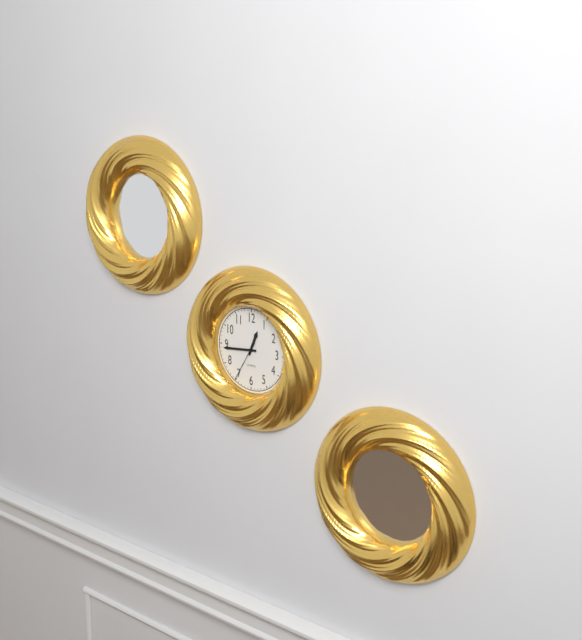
12h44
